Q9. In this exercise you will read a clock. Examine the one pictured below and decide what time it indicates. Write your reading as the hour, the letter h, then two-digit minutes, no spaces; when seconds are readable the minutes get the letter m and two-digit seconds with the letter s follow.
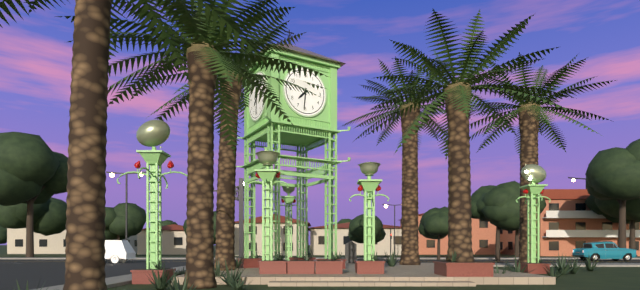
7h31
